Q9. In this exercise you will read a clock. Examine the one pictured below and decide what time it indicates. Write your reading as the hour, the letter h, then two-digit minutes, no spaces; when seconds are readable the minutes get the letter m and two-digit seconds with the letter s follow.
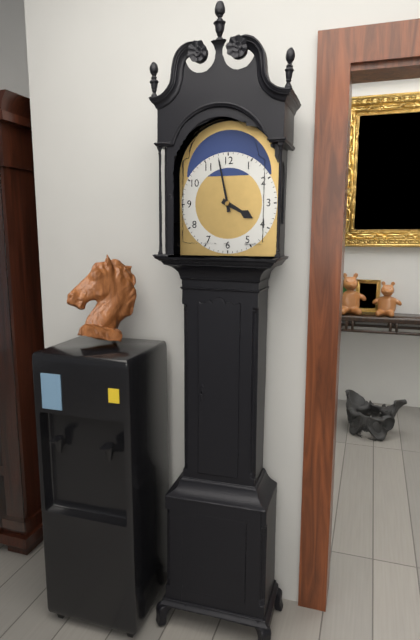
3h58
